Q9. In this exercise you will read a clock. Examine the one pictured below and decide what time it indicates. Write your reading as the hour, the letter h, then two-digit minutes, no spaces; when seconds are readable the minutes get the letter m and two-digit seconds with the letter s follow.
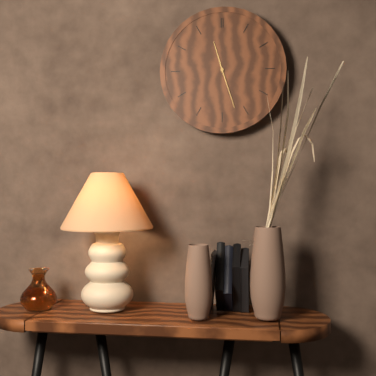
11h27
